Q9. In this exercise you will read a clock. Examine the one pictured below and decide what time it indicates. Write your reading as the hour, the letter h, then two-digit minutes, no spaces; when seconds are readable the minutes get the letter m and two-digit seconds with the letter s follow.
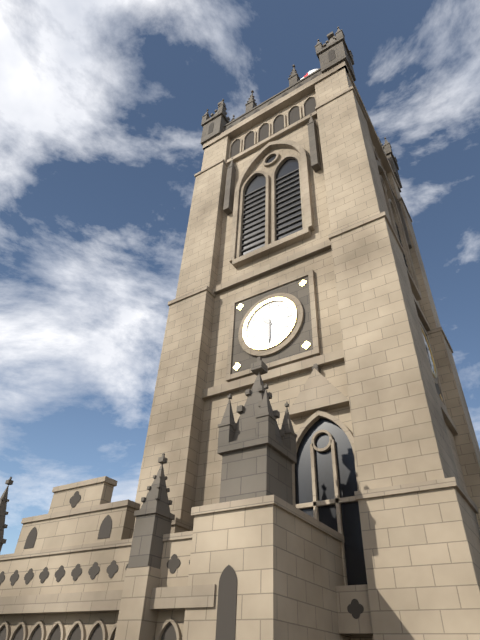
10h30
